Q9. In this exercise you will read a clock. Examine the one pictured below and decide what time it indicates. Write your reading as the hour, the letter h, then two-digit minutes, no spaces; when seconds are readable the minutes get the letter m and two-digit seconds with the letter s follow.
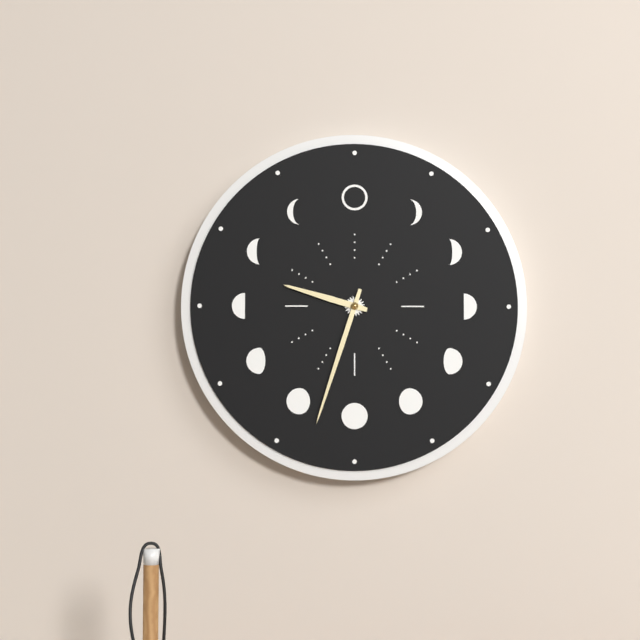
9h33
